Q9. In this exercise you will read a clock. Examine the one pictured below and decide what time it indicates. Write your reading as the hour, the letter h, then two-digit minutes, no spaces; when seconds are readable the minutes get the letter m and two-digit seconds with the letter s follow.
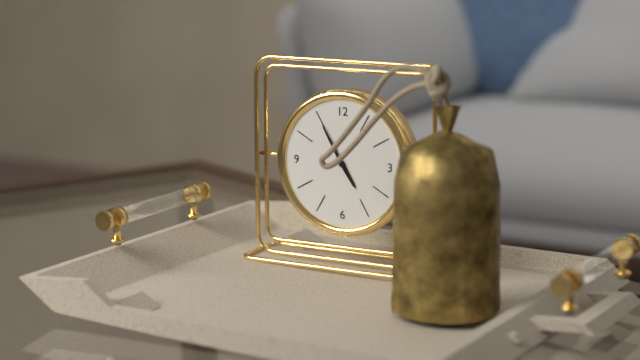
4h55
